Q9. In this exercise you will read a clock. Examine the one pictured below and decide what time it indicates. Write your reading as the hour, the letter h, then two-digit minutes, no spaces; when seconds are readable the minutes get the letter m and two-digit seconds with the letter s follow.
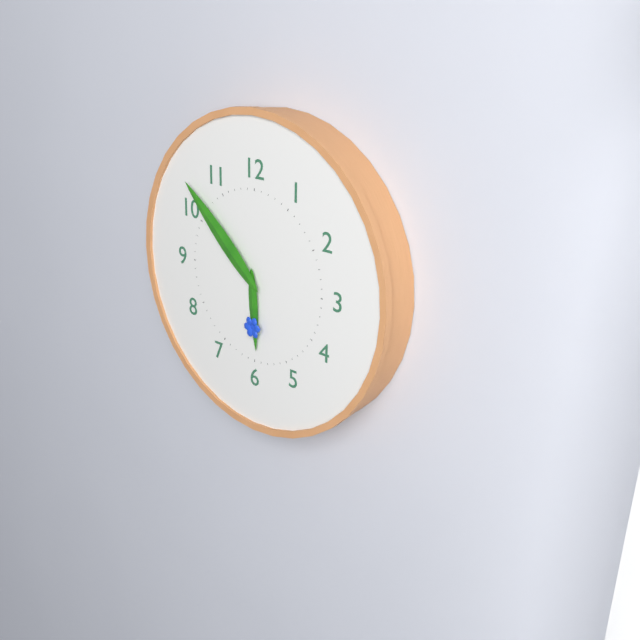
5h52
